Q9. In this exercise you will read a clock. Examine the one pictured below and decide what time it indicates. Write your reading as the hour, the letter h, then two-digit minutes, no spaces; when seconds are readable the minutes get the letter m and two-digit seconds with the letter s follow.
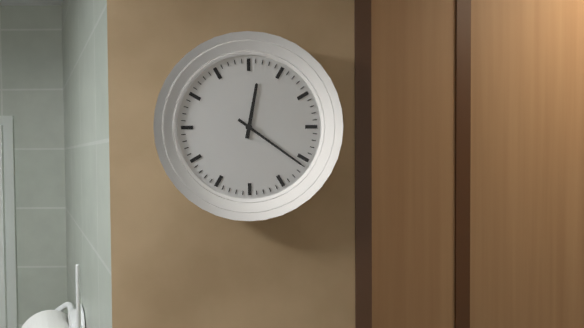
12h21
